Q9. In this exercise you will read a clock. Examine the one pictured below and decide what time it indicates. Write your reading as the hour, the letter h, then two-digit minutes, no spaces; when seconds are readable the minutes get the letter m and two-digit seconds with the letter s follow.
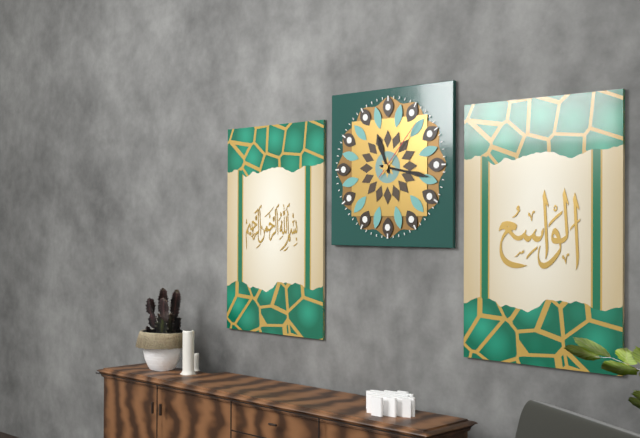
11h17m07s
